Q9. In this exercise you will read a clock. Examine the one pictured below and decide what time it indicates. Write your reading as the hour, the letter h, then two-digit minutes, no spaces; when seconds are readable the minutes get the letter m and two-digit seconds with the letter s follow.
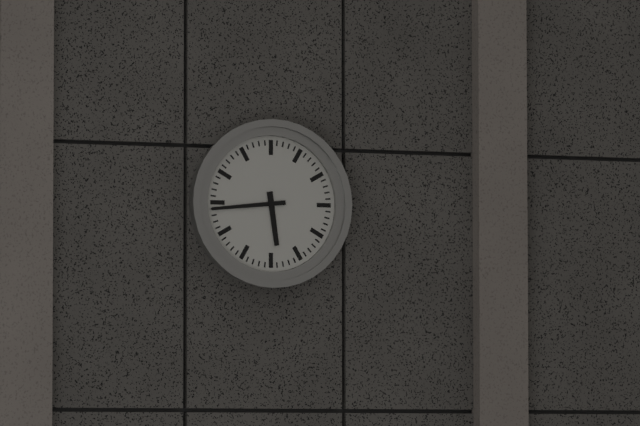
5h44
